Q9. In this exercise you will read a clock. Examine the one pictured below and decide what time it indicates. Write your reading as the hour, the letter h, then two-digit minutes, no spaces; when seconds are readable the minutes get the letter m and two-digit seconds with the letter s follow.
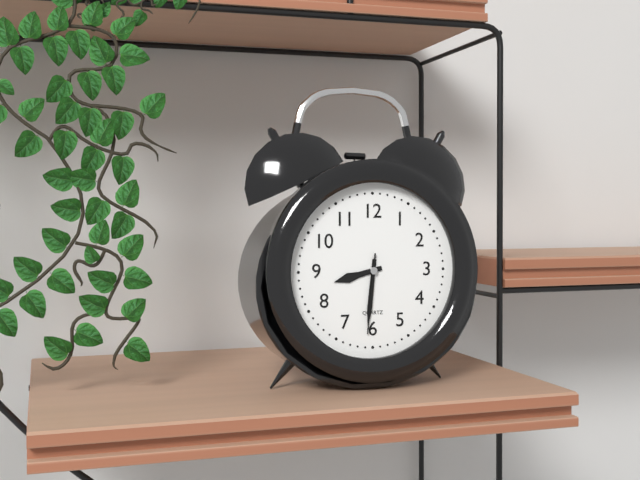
8h31m31s
